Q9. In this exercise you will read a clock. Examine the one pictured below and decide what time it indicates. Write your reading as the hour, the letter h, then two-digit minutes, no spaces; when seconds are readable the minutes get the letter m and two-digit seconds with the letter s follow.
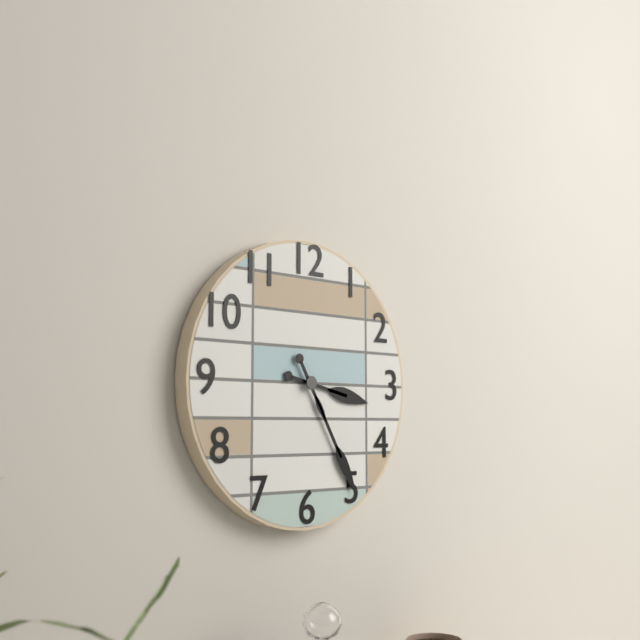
3h25
